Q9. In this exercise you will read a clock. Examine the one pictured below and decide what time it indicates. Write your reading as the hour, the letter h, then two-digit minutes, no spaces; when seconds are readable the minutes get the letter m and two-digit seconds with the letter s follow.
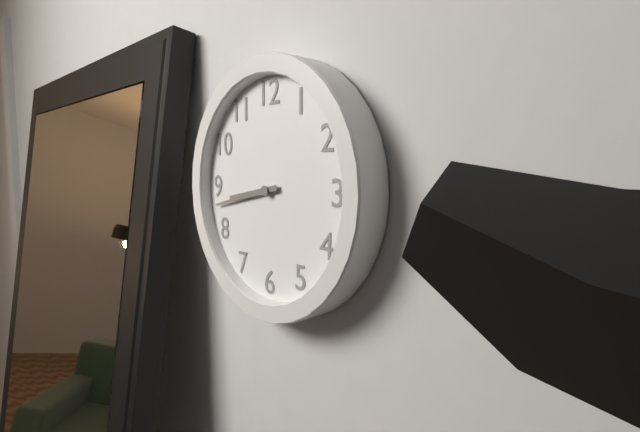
8h43
